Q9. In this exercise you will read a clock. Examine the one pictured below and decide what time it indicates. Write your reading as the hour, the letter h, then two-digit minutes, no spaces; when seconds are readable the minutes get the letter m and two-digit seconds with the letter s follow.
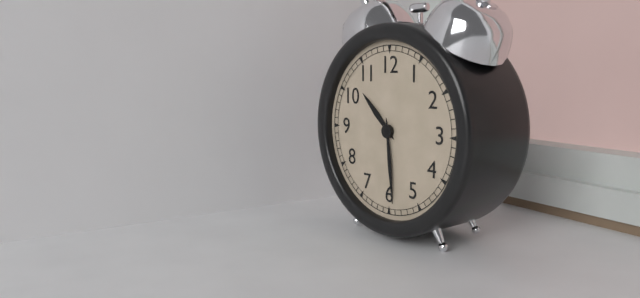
10h29
